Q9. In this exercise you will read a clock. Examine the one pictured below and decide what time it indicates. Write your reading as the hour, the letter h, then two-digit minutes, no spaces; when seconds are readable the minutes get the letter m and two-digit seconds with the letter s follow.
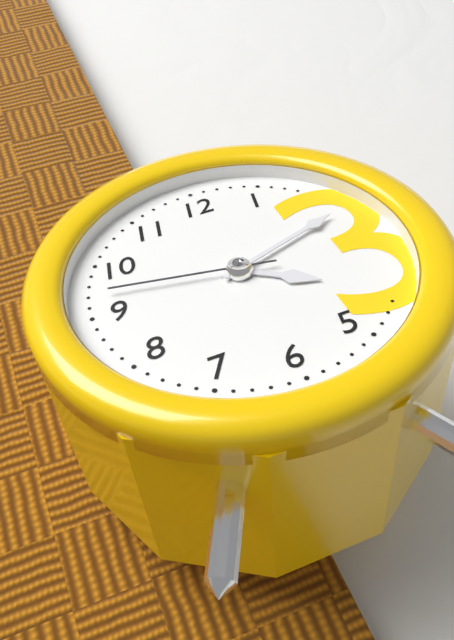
4h12m47s
